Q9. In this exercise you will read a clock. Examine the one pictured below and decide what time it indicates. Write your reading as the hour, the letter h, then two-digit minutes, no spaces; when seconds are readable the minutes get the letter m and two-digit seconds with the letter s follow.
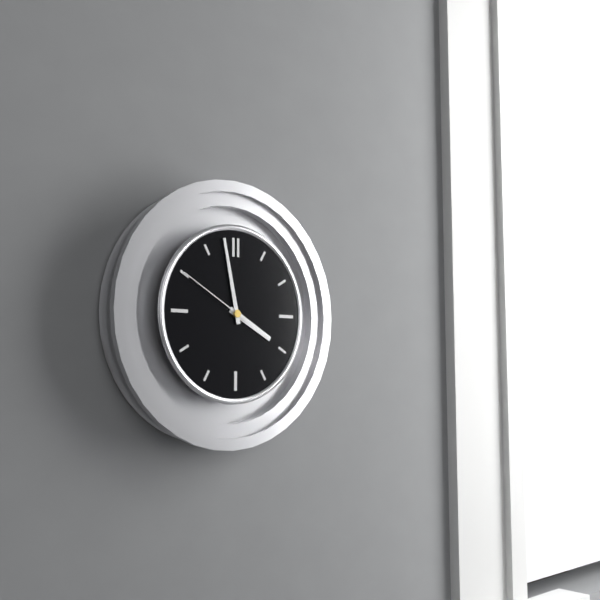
3h58m50s
